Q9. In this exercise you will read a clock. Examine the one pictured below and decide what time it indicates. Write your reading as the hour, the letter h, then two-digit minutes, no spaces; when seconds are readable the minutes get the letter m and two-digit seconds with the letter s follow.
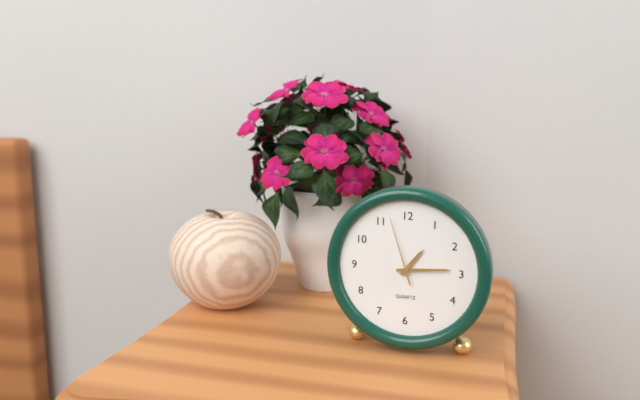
1h14m57s
